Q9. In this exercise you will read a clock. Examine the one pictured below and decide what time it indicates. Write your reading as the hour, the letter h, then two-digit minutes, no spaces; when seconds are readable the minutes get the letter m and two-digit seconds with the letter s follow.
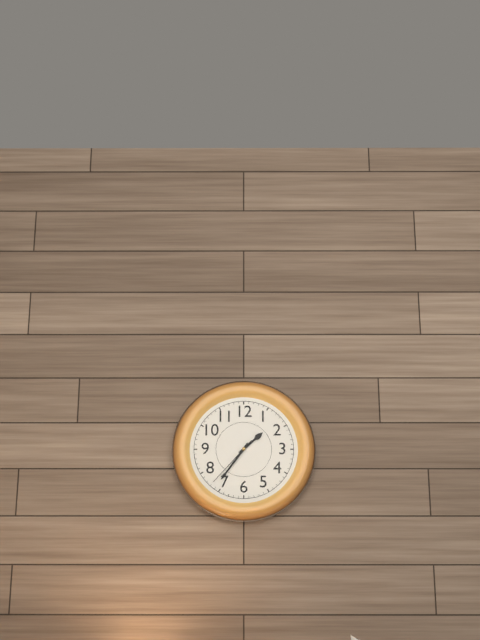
1h36m37s
